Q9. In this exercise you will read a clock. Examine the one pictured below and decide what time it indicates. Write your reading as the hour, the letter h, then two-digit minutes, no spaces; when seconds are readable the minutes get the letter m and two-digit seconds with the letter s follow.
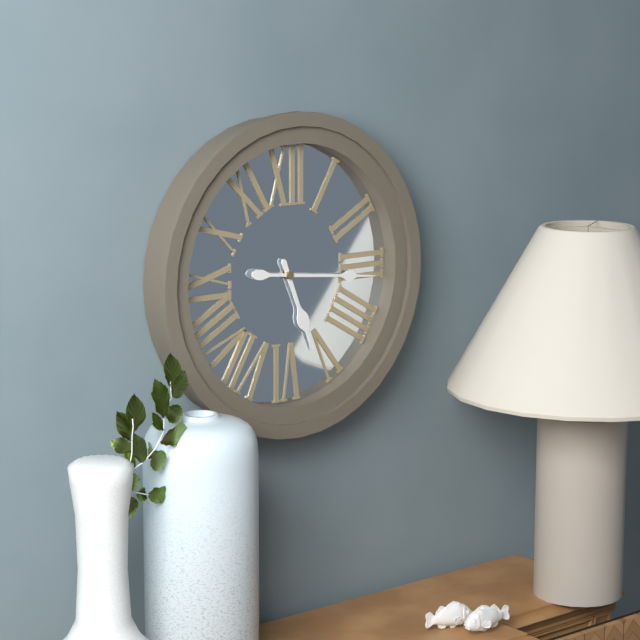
5h16
